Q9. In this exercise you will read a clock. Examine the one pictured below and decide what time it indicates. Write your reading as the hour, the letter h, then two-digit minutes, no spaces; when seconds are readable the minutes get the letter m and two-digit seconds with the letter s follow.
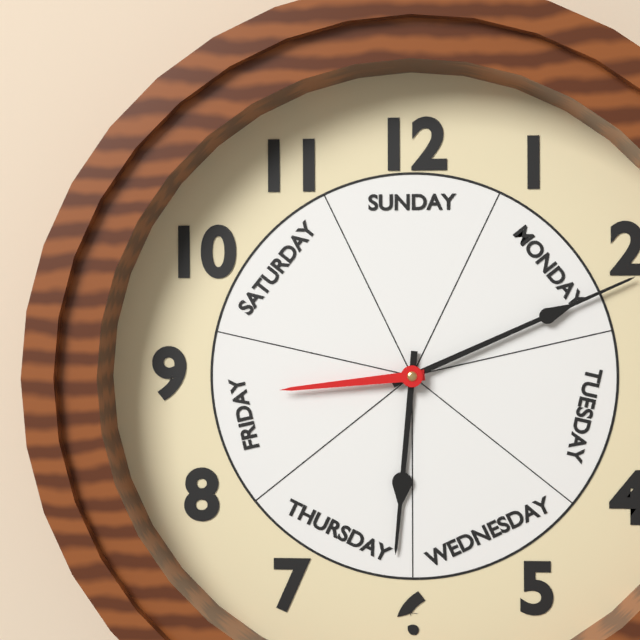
6h11m44s
